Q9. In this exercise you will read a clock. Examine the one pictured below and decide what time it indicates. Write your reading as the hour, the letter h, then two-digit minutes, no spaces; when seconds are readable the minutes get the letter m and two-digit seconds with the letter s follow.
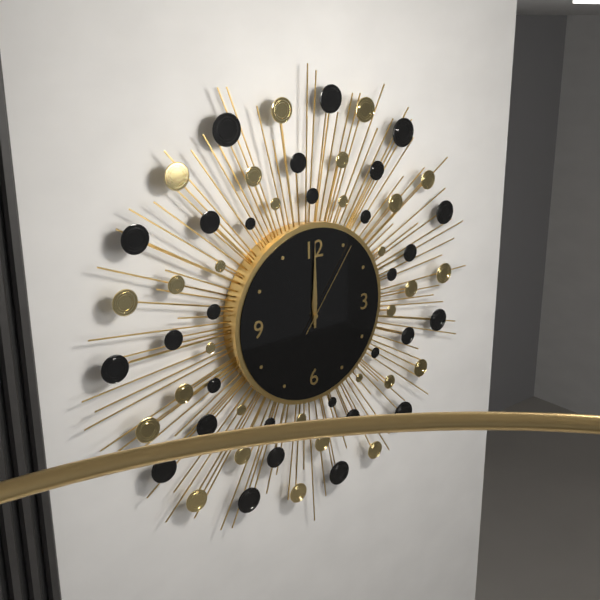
12h00m06s
